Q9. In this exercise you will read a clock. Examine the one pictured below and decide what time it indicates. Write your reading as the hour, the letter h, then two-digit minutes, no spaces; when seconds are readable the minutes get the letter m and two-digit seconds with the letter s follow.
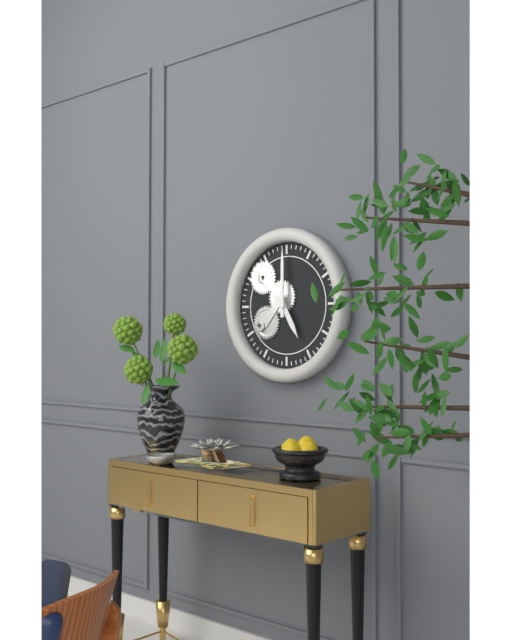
5h00
